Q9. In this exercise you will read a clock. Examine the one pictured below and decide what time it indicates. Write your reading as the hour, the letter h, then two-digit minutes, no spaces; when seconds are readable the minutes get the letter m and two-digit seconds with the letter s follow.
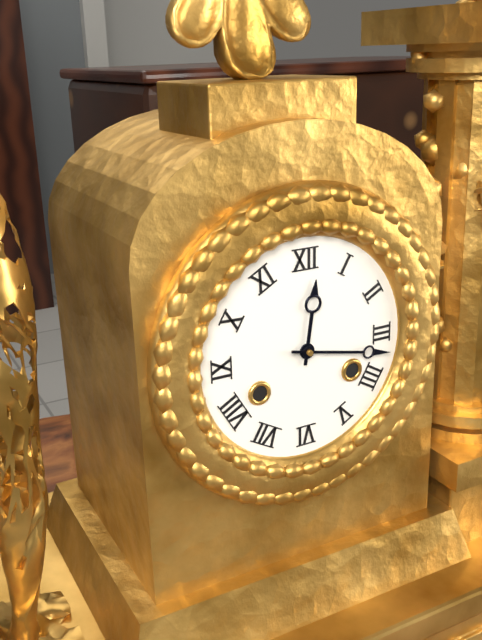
12h17
